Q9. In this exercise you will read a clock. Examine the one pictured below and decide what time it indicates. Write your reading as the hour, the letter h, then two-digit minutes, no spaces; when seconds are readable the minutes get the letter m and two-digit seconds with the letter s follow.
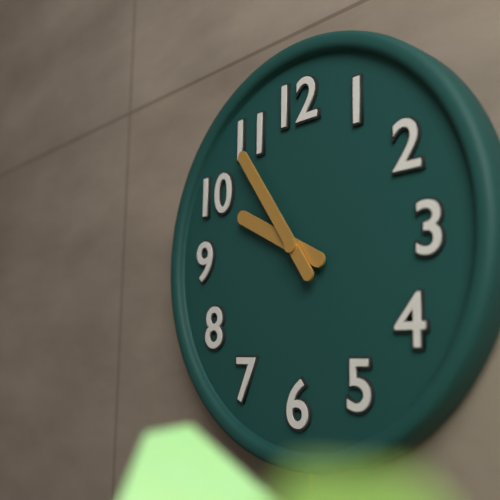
9h54
